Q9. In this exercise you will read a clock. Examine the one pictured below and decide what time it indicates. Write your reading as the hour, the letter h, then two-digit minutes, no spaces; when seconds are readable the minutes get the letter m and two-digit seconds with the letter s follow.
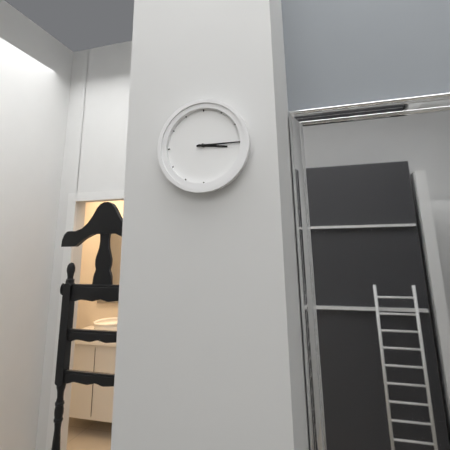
3h15
